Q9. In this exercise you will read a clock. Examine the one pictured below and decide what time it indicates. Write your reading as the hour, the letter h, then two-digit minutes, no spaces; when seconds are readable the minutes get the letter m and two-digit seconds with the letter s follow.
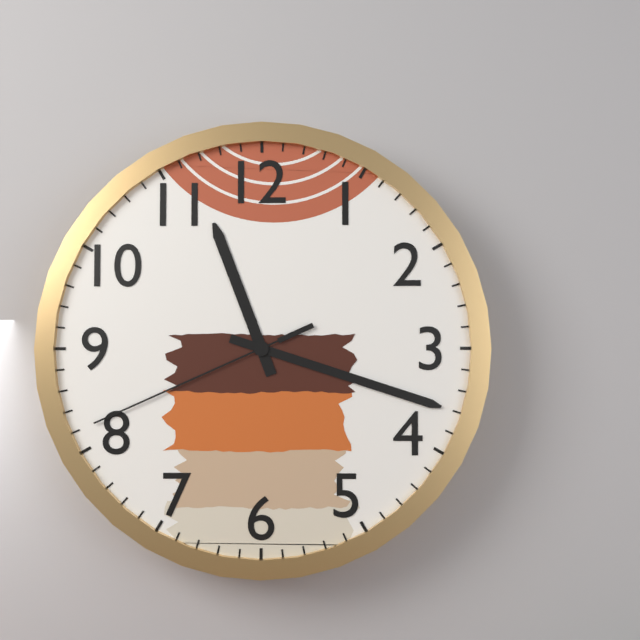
11h18m41s
